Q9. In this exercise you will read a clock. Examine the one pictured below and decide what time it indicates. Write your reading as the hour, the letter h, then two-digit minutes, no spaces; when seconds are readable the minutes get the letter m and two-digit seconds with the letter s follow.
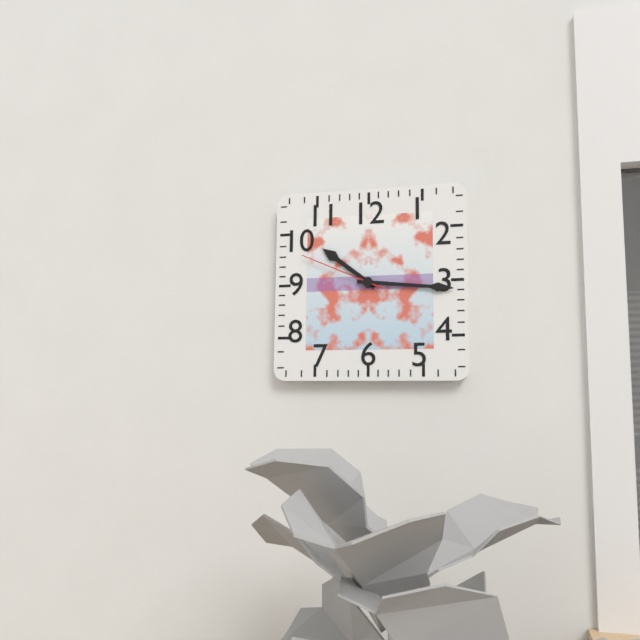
10h16m49s
